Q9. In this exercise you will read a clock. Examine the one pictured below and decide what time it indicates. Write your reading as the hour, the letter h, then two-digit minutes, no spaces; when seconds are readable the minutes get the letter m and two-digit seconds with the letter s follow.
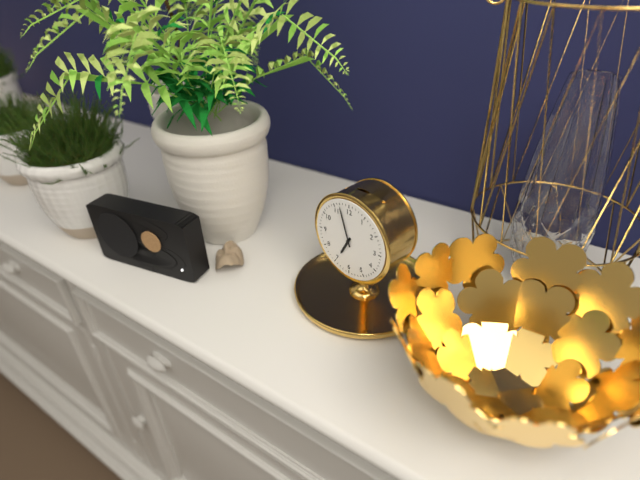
6h57
